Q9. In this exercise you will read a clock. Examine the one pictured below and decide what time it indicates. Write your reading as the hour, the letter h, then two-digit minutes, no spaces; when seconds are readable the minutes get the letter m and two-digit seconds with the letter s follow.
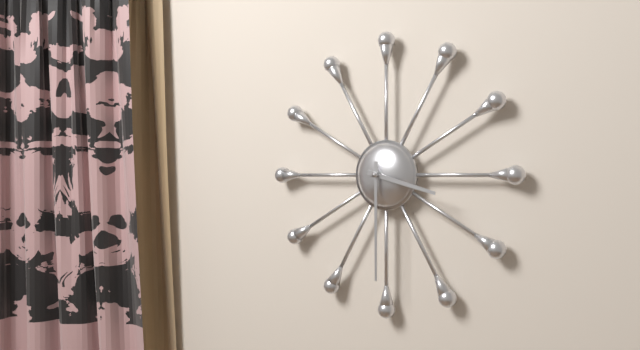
3h30
